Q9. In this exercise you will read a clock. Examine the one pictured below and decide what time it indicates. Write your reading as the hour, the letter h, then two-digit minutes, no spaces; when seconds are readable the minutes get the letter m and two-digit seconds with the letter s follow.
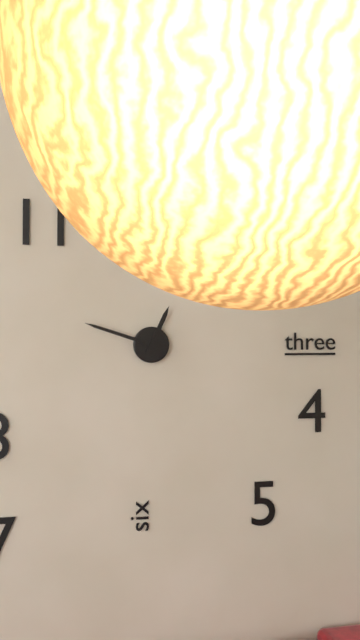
12h48
